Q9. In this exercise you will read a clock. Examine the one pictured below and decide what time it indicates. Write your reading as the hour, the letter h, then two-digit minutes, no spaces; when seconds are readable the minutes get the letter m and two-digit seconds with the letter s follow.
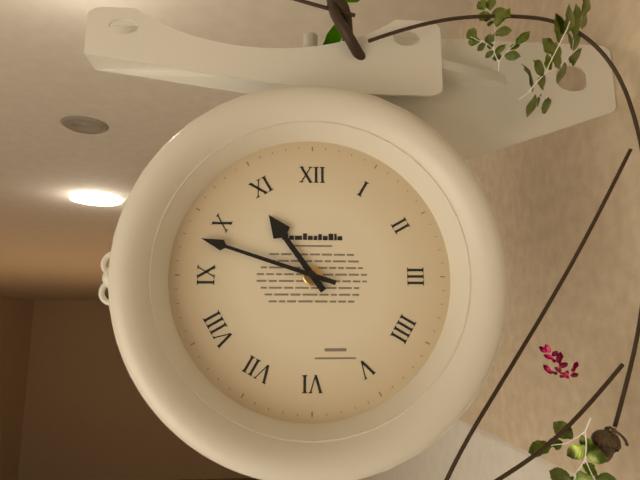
10h48
